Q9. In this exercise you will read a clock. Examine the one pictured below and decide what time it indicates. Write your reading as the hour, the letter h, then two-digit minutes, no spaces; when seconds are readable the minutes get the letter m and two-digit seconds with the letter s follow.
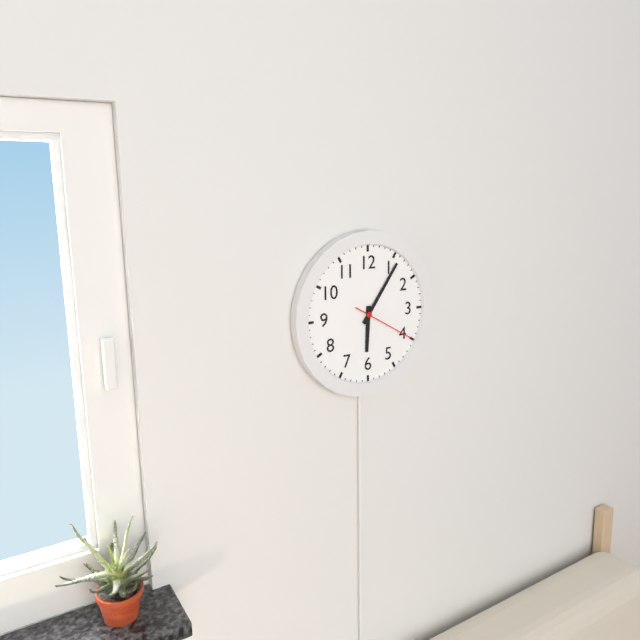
6h06m20s
